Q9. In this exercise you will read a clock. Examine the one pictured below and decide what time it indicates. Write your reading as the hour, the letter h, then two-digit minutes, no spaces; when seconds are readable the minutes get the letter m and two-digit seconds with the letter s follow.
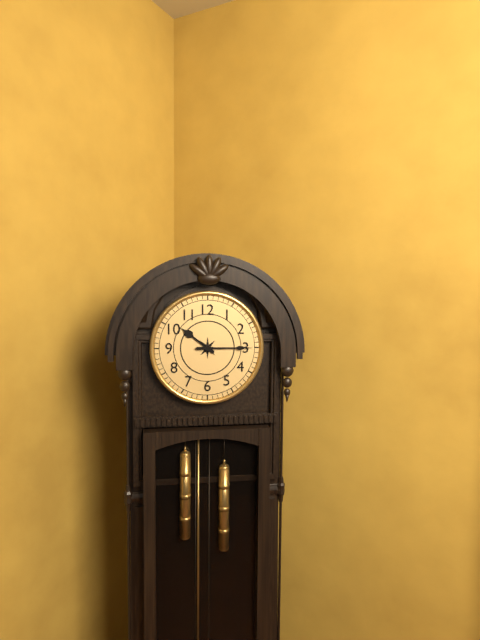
10h15
